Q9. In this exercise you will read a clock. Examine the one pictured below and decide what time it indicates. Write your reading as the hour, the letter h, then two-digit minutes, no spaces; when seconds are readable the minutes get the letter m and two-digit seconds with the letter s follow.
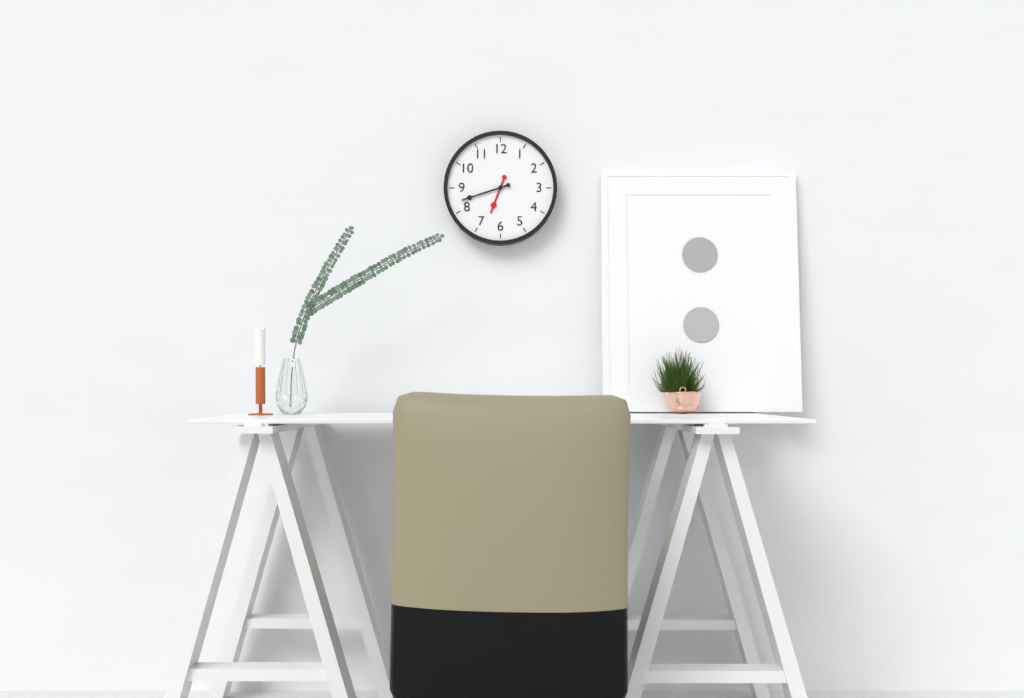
6h42
